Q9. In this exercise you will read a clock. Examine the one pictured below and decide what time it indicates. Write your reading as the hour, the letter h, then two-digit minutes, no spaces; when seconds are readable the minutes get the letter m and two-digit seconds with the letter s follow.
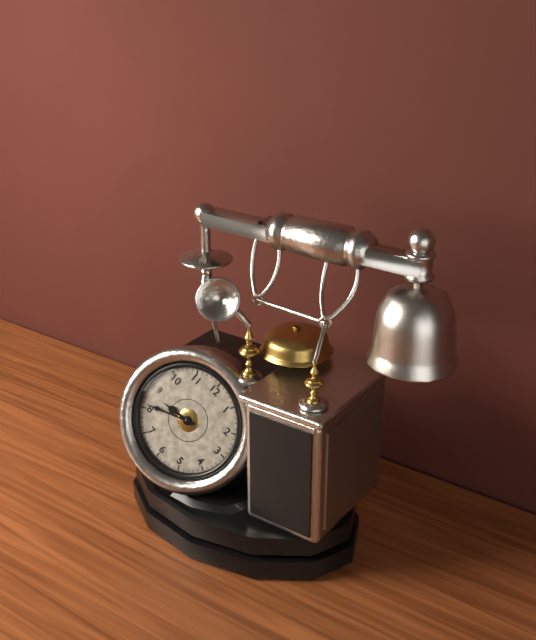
8h41
